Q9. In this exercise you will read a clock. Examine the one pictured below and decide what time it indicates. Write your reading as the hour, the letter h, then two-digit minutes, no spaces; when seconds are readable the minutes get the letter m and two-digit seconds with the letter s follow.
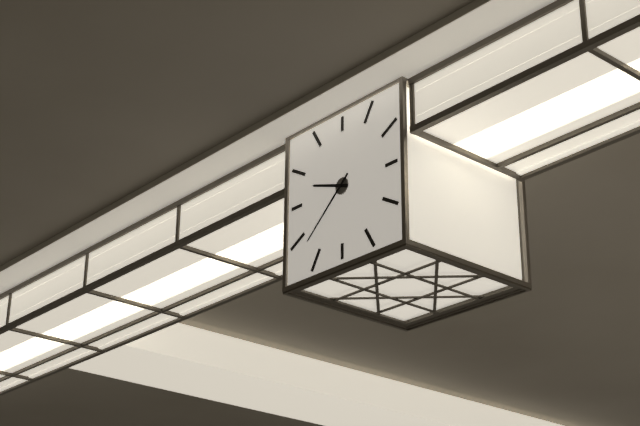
9h38
